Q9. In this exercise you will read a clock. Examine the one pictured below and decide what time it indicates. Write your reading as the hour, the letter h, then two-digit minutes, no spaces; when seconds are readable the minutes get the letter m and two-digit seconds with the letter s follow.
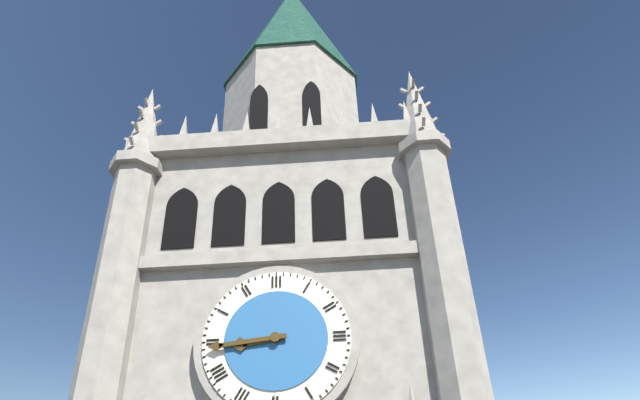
8h44
